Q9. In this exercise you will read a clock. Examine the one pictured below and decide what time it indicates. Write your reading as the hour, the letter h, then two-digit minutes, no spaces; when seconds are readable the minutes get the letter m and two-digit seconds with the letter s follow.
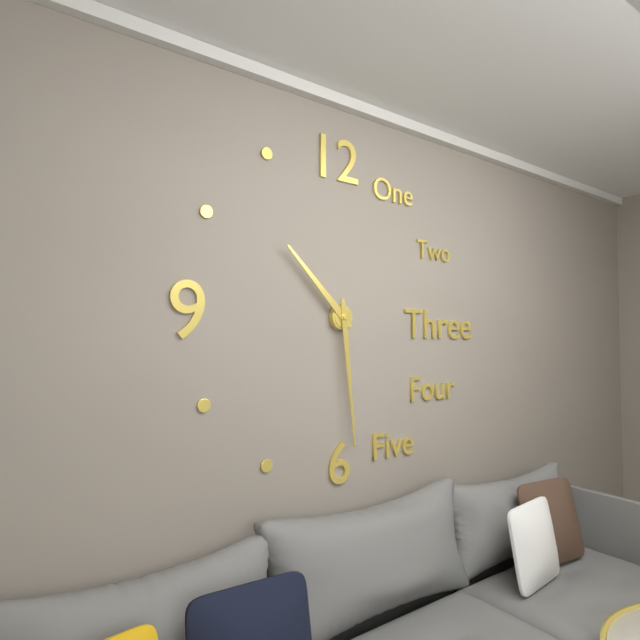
10h29
